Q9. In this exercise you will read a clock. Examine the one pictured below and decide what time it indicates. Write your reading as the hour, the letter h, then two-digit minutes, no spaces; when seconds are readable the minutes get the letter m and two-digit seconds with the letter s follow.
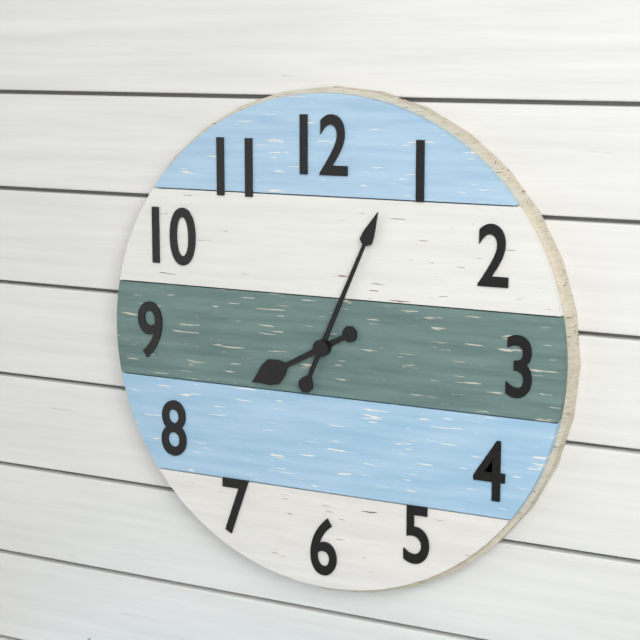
8h04
